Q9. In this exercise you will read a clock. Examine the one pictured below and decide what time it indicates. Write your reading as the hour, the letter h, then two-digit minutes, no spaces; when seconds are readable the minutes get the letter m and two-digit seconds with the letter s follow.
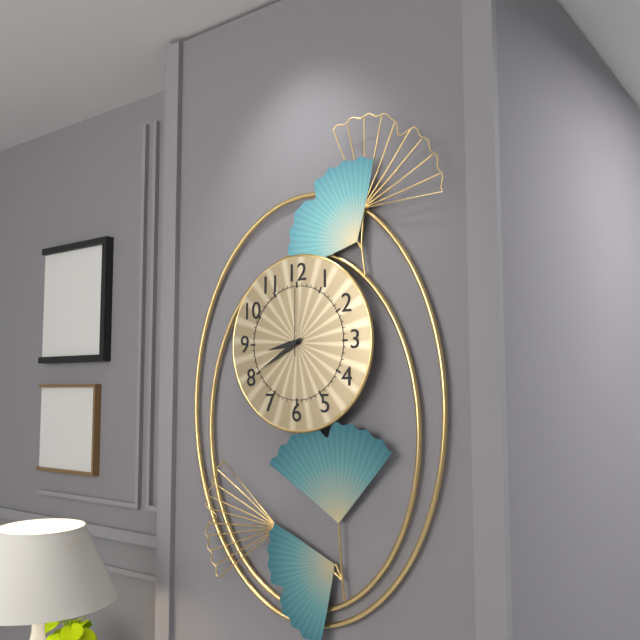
8h40m00s
